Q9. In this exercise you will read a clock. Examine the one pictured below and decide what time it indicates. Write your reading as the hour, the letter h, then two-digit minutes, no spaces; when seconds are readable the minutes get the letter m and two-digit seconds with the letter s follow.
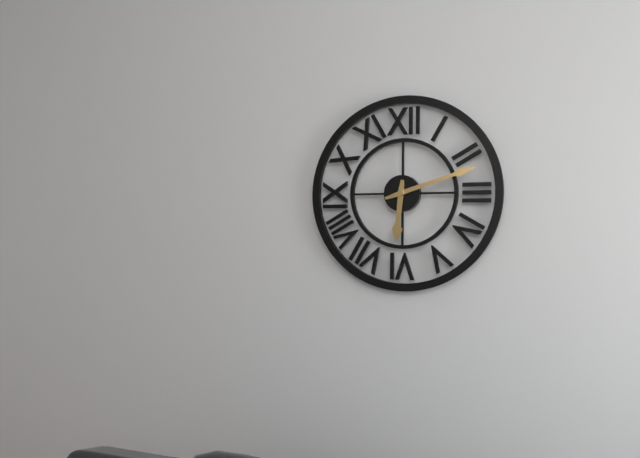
6h12
